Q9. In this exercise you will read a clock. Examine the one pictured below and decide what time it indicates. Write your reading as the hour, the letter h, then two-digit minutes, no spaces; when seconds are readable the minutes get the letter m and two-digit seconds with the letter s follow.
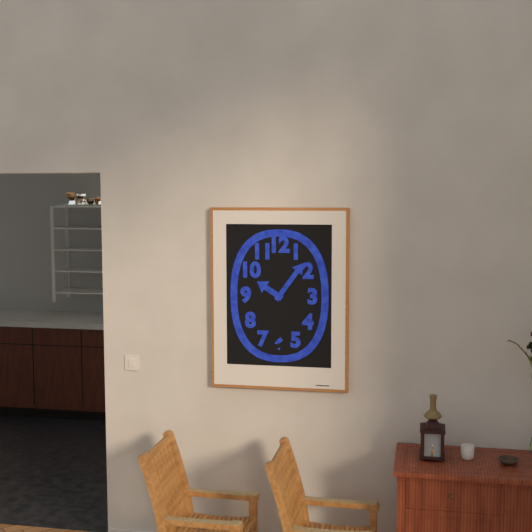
10h06
